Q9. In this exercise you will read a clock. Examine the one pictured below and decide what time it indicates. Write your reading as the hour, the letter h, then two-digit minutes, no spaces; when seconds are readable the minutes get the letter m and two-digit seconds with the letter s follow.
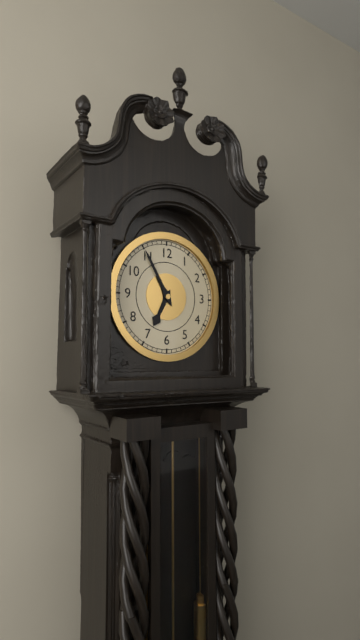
6h55
